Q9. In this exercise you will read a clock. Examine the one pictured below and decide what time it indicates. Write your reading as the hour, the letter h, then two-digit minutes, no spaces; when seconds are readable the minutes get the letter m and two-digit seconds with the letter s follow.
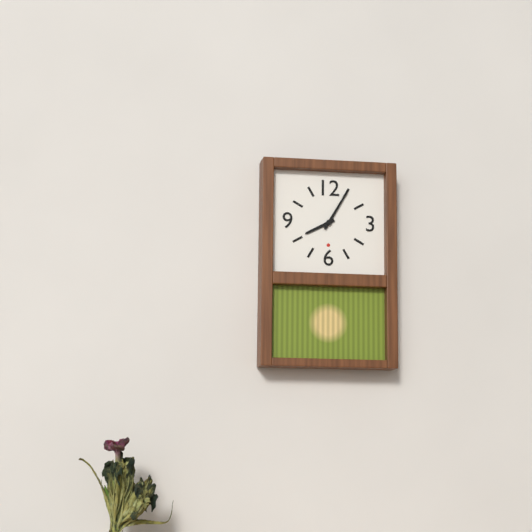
8h05
